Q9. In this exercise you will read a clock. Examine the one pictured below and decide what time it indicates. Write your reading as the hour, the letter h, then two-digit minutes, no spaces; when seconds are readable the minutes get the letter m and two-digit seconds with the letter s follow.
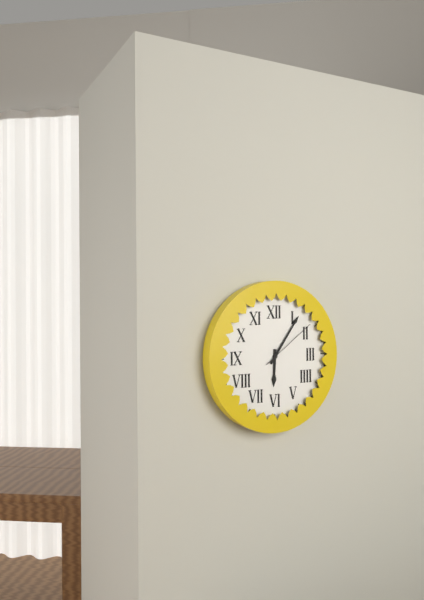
6h06m09s
